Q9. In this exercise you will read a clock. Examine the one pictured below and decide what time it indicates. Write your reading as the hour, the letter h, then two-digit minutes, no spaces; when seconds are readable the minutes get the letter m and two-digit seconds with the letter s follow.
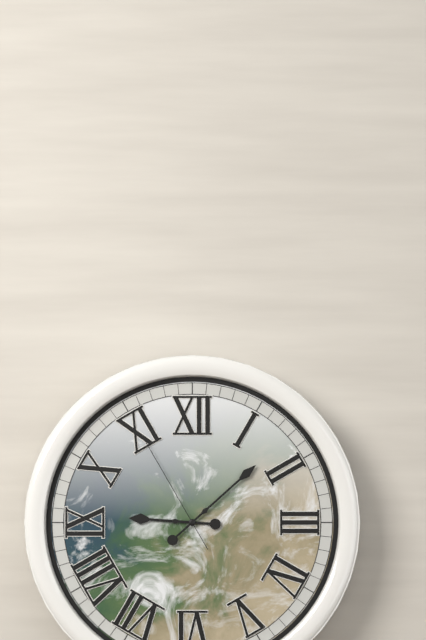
9h08m55s
